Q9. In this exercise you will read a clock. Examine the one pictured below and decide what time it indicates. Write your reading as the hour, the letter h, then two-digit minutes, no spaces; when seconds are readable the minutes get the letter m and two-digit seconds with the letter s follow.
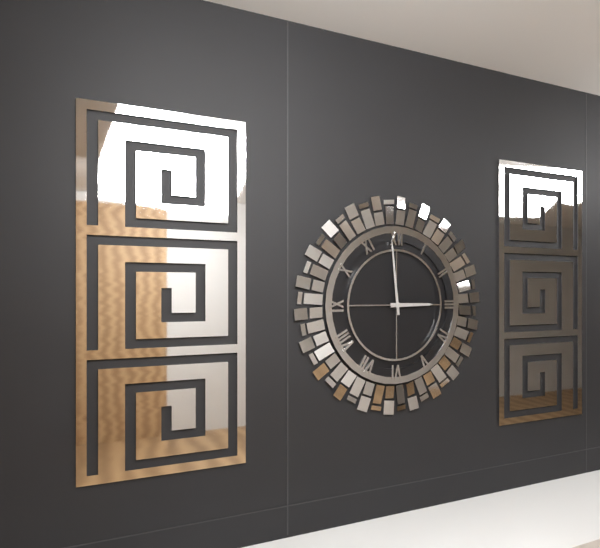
2h59
